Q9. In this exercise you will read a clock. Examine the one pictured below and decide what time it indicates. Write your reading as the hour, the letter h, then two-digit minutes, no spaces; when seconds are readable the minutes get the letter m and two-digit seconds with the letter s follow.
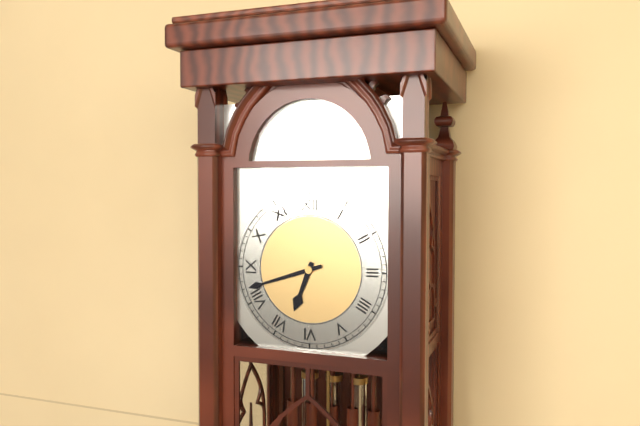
6h42
